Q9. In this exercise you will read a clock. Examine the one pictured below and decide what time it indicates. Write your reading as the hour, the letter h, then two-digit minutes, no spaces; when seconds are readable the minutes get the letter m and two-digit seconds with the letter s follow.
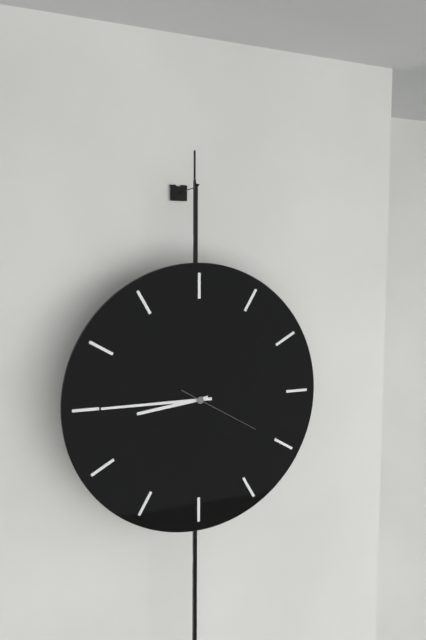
8h45m20s
